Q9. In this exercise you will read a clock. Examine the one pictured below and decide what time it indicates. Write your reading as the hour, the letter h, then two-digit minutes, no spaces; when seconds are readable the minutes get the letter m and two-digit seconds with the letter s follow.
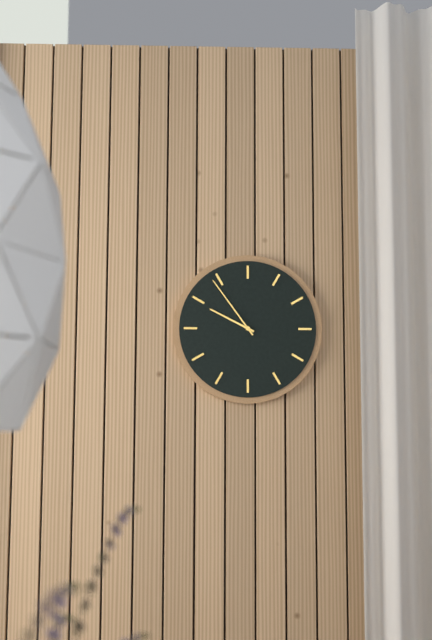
9h54
